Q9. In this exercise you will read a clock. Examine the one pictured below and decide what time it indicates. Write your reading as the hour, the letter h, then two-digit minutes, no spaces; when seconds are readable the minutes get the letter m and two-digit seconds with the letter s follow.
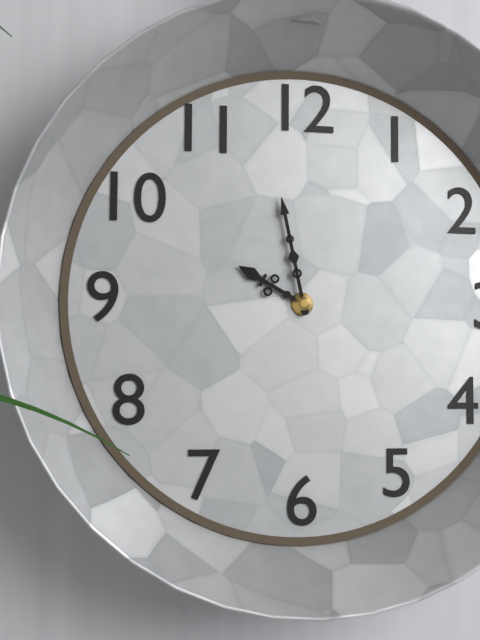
9h58
